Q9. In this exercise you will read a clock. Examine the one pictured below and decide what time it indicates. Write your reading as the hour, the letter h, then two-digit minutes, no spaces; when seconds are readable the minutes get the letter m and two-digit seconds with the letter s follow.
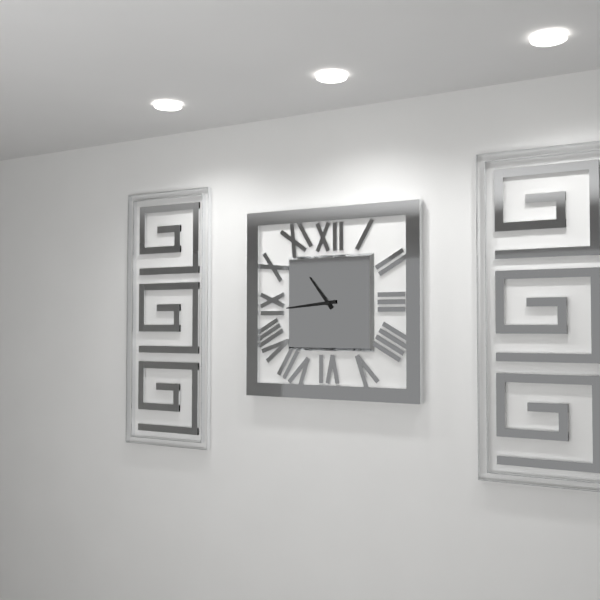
10h44
